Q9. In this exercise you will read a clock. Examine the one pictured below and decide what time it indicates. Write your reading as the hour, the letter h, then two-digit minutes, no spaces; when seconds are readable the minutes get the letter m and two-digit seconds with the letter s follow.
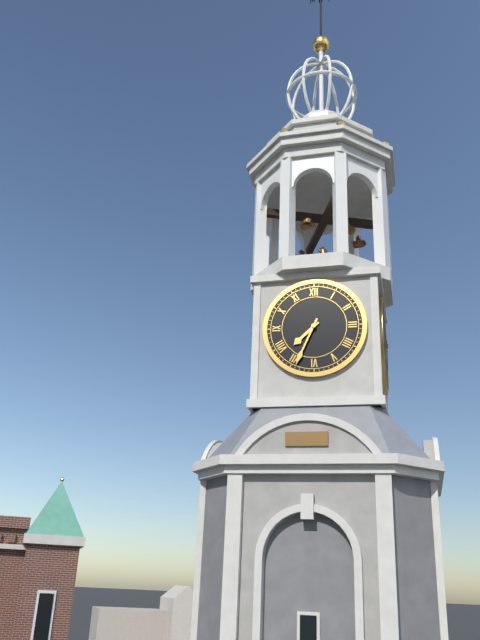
7h34
